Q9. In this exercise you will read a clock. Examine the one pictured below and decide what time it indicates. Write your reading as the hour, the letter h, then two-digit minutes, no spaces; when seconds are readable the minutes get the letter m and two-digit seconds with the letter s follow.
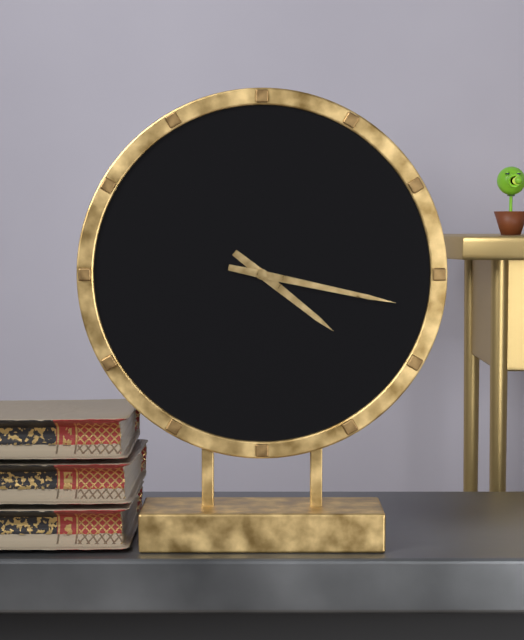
4h17
